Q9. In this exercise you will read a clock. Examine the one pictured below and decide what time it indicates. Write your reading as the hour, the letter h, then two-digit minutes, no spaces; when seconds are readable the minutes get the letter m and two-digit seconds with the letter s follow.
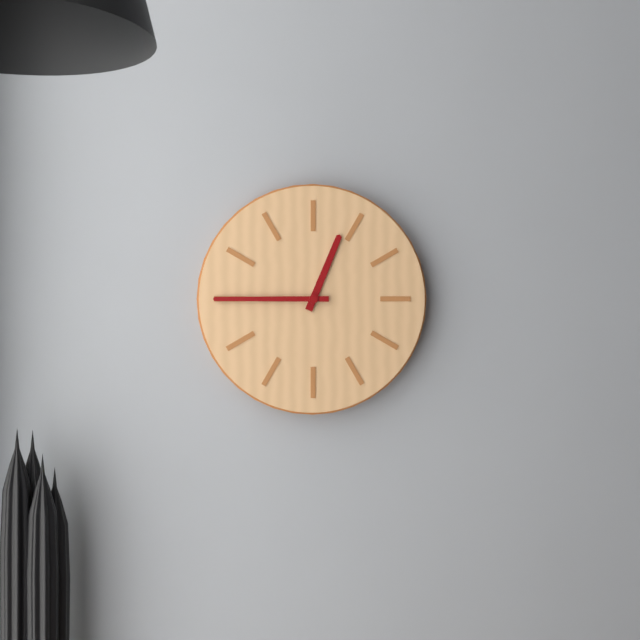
12h45
